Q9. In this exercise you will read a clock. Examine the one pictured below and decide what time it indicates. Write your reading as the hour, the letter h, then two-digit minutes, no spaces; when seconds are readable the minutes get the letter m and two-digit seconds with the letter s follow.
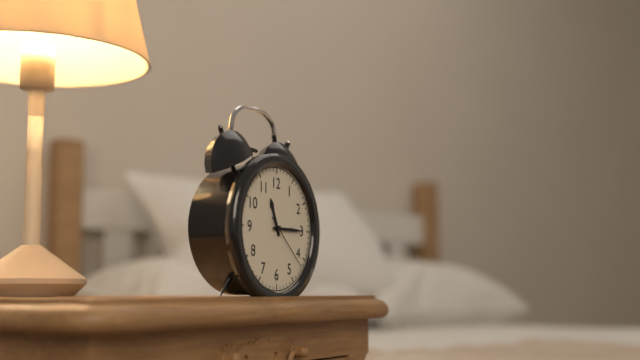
11h15m22s
